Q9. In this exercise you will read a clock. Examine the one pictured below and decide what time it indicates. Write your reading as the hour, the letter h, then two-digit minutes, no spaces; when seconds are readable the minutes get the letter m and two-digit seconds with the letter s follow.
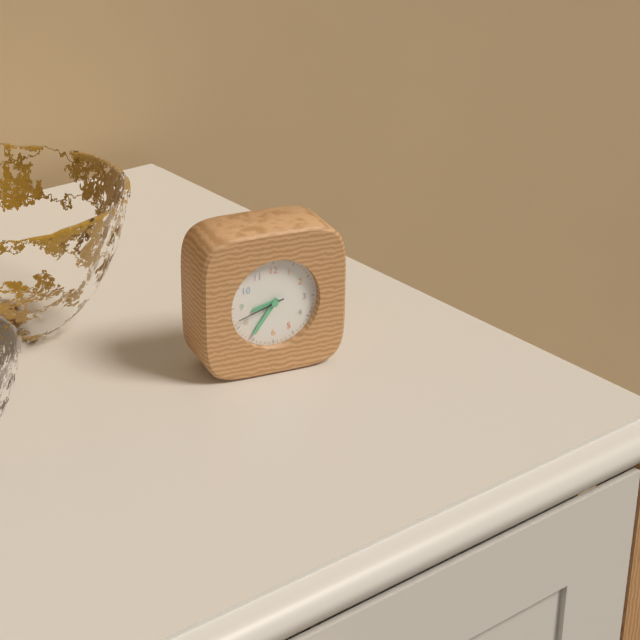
8h36
